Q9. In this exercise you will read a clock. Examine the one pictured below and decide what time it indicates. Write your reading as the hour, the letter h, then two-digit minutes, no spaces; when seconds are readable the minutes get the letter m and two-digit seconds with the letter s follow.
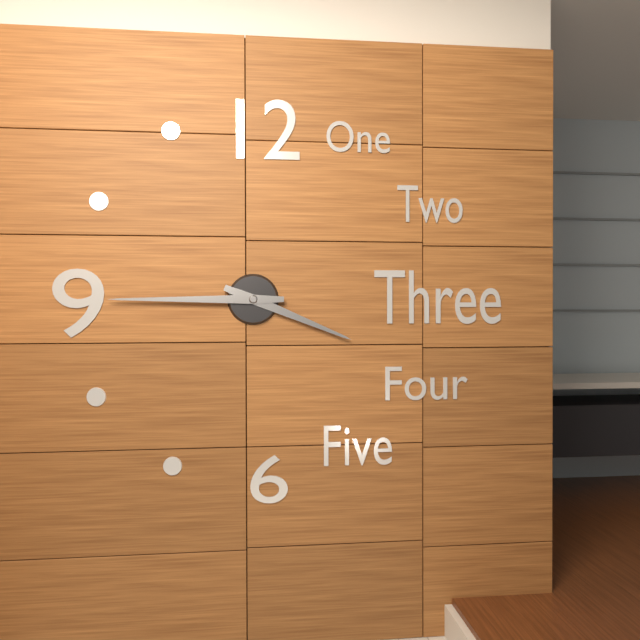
3h45
